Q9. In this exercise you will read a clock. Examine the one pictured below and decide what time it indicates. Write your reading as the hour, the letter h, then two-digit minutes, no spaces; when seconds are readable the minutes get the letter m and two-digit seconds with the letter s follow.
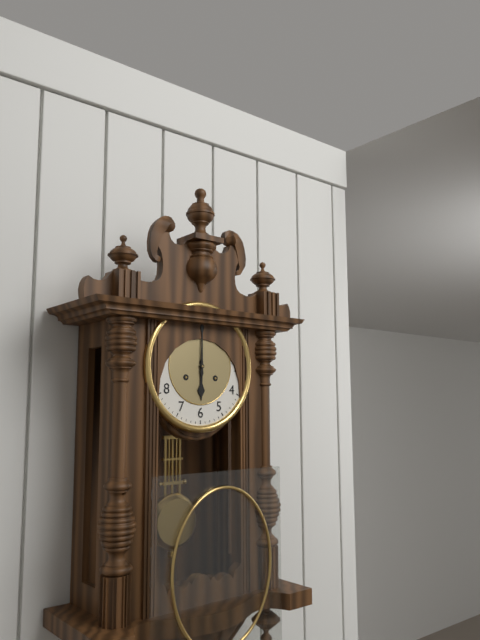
6h00
